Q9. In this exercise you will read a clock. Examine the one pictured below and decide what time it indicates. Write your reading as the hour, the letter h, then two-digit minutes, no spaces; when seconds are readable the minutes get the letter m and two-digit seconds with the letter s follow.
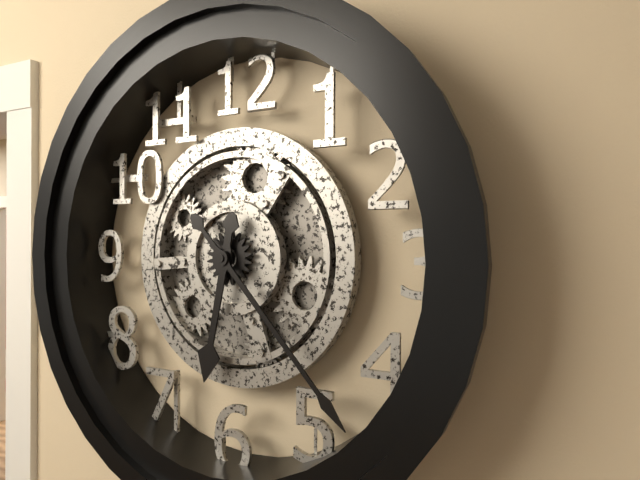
6h23
